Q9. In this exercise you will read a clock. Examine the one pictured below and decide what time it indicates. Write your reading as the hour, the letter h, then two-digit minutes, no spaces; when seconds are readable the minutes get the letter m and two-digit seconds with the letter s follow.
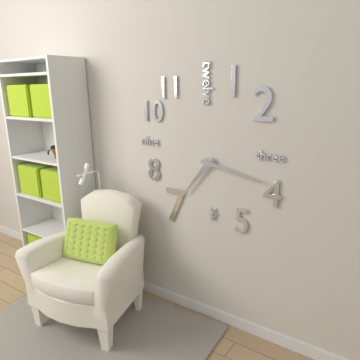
7h17
